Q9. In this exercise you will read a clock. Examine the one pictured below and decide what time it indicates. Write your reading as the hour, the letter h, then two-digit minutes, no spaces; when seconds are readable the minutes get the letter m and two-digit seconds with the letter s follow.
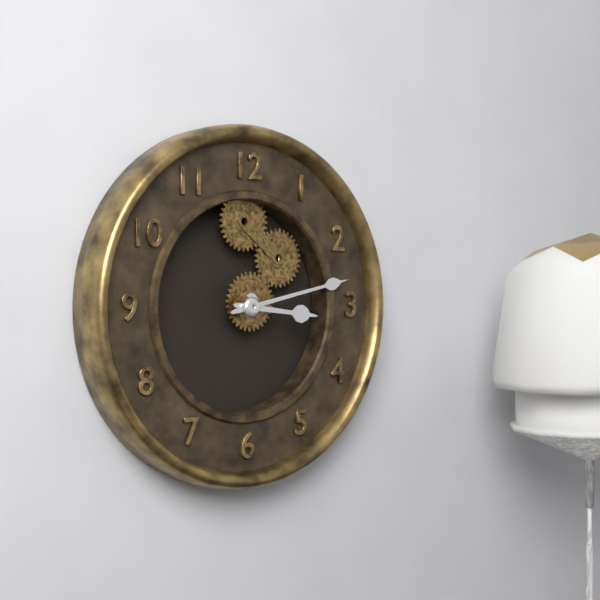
3h13
